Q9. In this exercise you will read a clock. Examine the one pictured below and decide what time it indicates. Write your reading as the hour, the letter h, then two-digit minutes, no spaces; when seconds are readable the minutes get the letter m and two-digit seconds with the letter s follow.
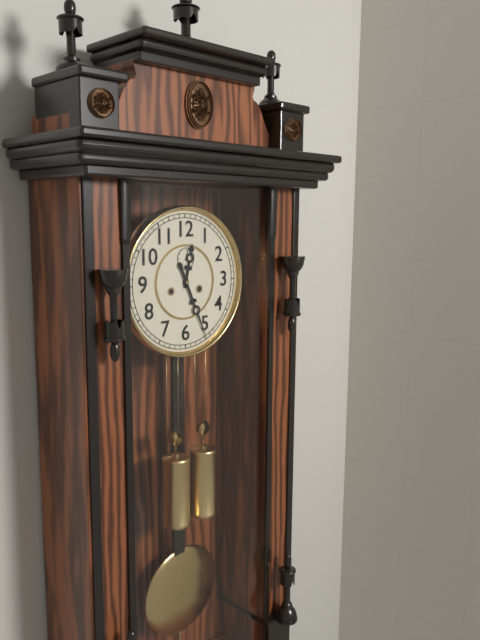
12h26
